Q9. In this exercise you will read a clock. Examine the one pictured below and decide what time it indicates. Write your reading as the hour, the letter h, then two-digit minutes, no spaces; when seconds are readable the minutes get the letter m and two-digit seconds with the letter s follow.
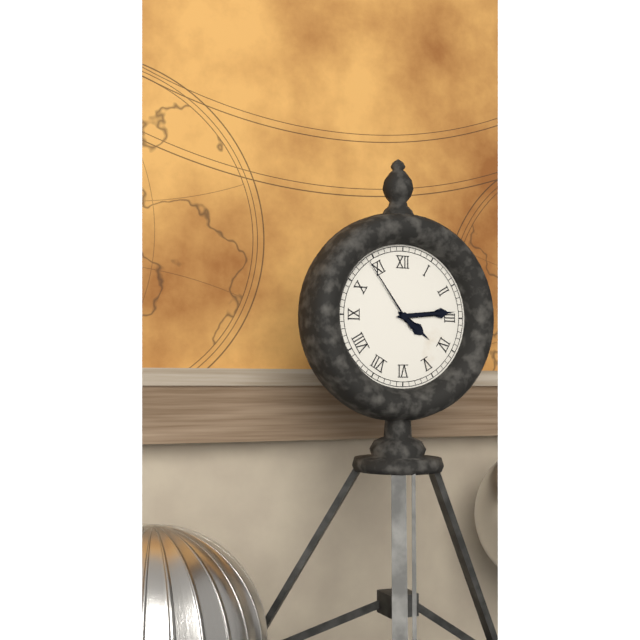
4h14m54s
